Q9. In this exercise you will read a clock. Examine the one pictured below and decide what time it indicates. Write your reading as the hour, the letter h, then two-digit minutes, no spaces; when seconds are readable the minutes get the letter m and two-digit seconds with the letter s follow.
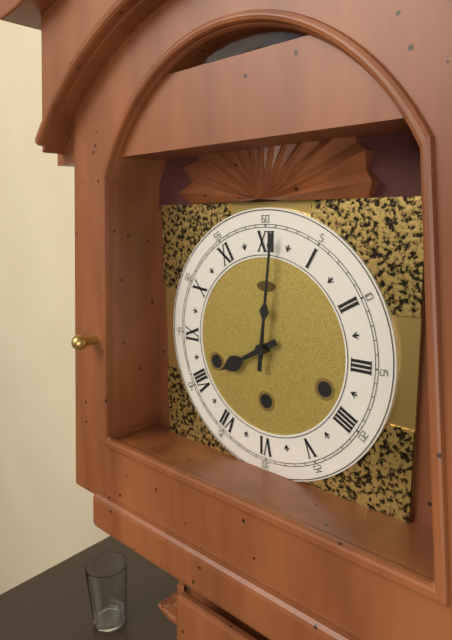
8h01
